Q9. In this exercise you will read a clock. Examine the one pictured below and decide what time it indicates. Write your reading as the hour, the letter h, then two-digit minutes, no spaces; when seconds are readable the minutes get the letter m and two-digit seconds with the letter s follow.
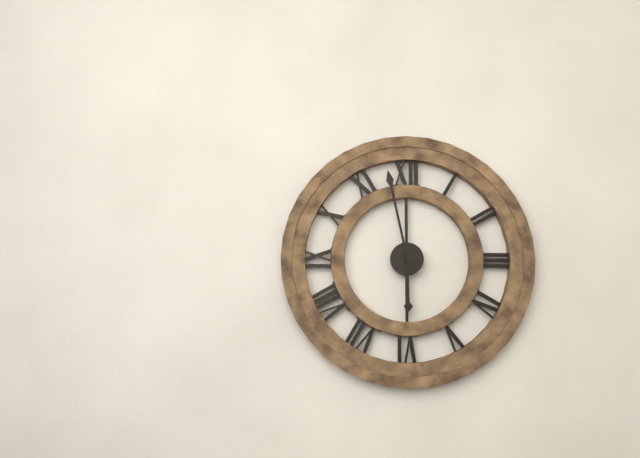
5h58
